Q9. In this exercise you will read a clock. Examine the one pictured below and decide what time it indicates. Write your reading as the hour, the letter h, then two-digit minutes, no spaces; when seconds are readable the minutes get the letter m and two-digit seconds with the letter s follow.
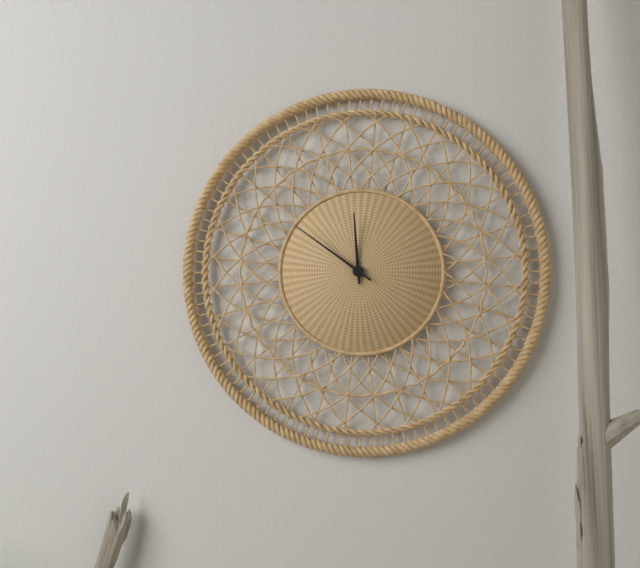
11h51
